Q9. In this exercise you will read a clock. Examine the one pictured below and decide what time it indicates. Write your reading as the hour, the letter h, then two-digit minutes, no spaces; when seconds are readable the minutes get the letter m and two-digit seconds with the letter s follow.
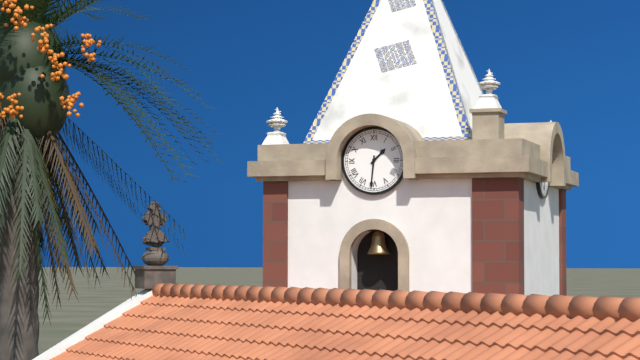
1h31
